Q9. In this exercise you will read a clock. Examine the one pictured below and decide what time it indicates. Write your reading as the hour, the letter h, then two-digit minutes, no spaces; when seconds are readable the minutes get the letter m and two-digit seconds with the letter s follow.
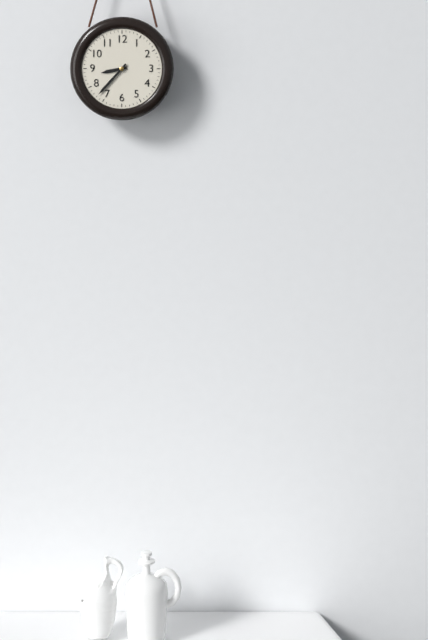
8h37
